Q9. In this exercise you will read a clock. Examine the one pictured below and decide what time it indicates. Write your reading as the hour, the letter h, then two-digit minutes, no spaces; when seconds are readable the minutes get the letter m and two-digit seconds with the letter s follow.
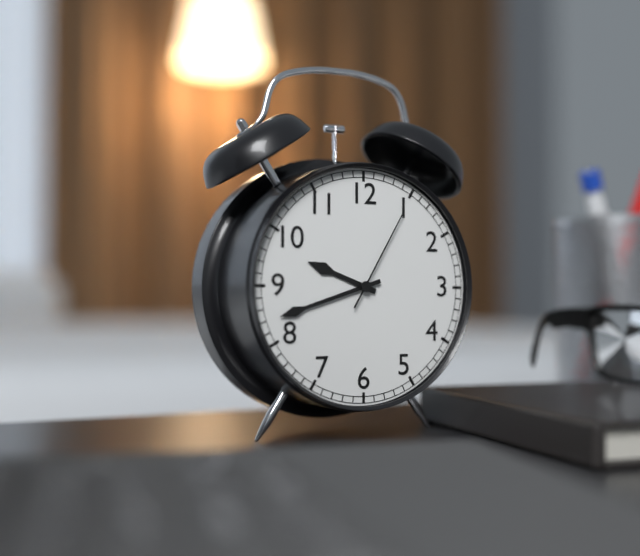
9h42m05s
